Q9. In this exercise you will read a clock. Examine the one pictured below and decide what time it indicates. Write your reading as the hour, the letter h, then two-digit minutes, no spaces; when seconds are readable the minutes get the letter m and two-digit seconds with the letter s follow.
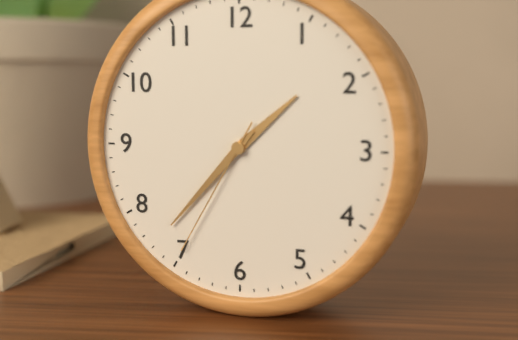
1h37m35s
